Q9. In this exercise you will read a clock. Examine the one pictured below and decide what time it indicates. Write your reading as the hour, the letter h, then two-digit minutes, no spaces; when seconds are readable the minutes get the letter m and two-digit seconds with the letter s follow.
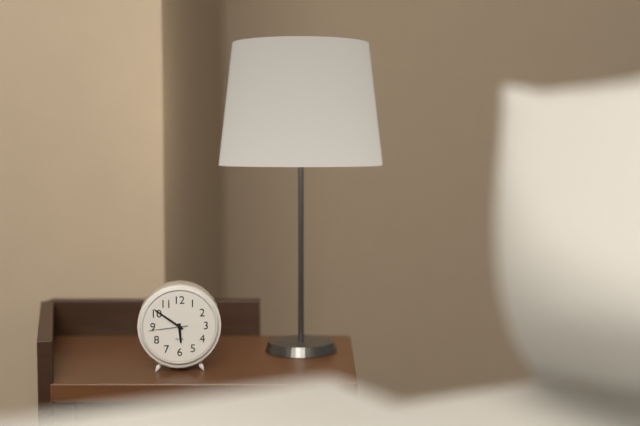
5h51
